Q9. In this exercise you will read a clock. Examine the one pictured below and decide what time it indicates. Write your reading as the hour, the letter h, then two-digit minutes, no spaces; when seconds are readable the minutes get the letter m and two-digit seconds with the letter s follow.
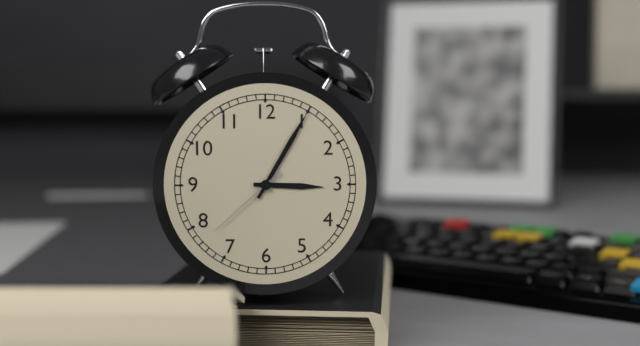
3h05m38s
